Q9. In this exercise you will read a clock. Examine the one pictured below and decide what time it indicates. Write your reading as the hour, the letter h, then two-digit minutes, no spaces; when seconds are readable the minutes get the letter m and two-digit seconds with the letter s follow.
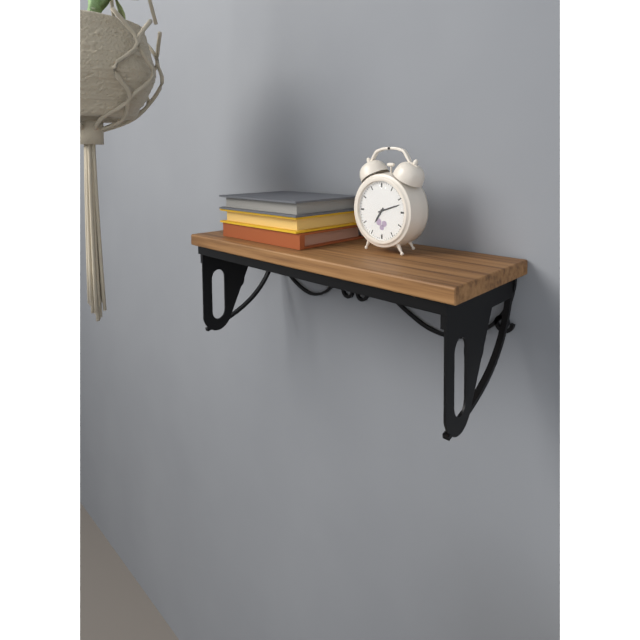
7h12
